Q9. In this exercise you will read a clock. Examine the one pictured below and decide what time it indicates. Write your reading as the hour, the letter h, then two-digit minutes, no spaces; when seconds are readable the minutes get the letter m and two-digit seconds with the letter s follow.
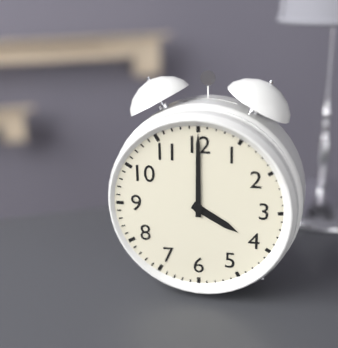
4h00
